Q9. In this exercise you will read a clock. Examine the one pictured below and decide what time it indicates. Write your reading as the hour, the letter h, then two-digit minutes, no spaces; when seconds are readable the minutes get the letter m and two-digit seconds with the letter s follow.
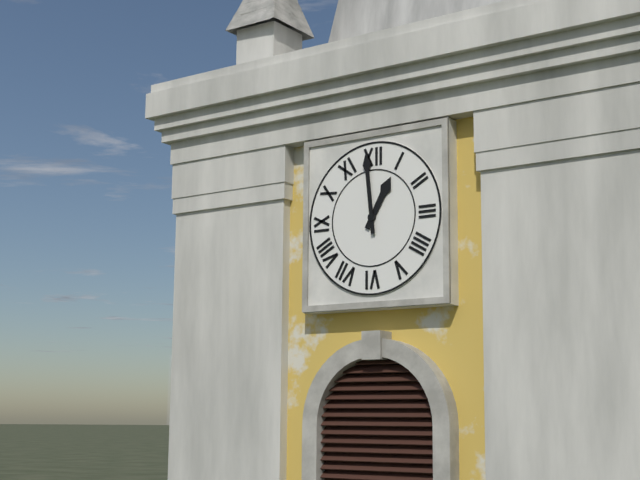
12h59
